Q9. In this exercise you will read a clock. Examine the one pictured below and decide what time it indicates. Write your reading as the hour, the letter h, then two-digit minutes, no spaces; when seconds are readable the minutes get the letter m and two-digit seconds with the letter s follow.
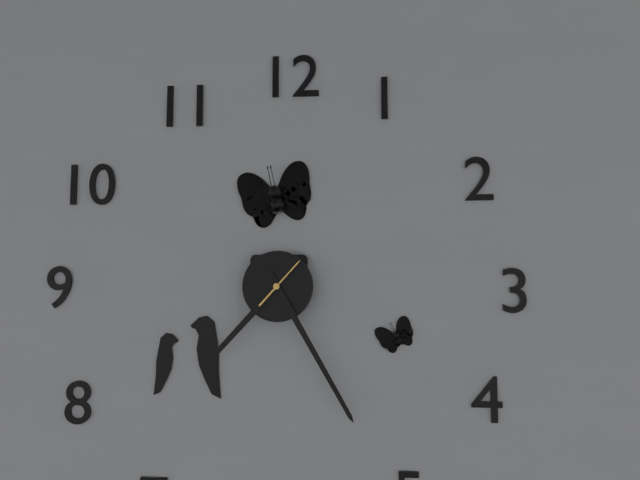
7h25
